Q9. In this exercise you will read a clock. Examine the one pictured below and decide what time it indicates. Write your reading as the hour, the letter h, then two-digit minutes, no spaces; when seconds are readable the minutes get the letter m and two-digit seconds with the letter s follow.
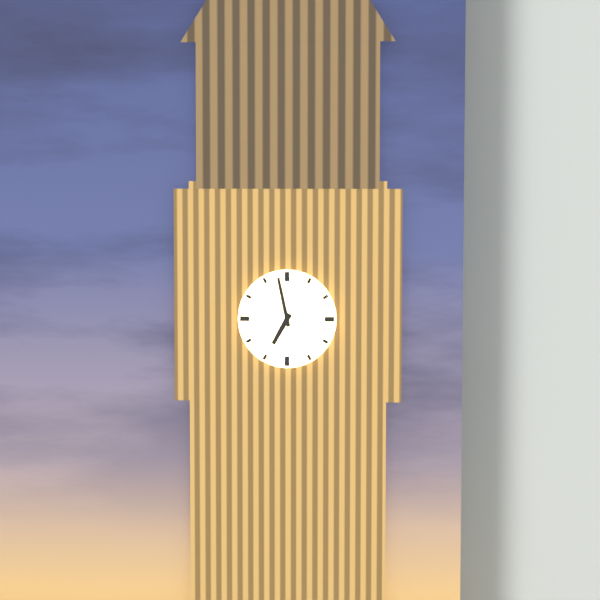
6h58
